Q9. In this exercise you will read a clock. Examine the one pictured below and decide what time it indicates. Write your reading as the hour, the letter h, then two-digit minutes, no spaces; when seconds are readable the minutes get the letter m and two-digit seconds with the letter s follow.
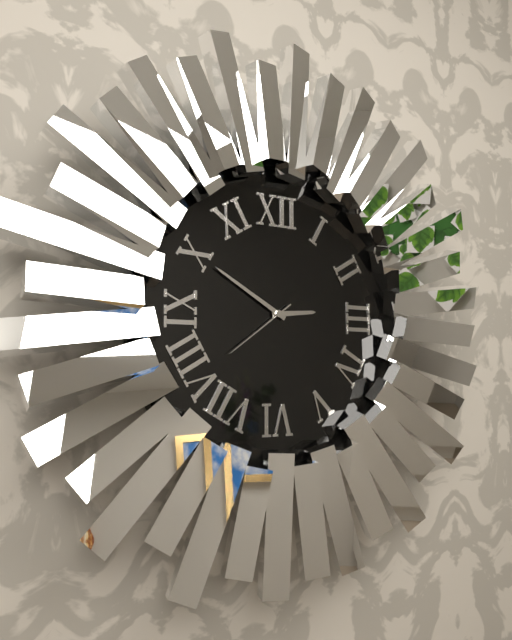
2h50m39s
